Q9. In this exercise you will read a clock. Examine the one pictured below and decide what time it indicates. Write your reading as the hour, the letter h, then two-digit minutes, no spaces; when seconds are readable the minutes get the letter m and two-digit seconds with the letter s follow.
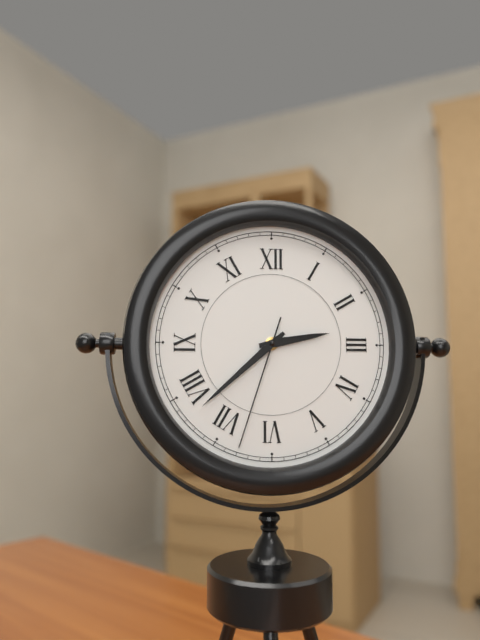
2h38m33s
